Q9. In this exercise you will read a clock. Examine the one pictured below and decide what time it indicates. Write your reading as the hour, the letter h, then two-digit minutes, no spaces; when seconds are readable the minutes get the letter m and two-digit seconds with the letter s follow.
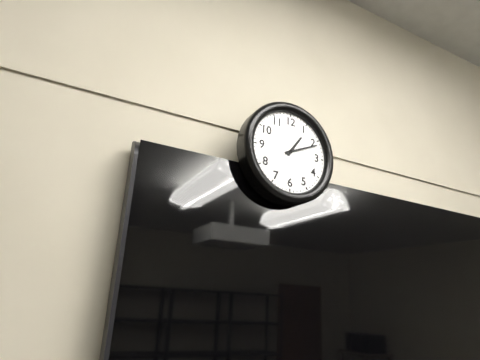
1h11
